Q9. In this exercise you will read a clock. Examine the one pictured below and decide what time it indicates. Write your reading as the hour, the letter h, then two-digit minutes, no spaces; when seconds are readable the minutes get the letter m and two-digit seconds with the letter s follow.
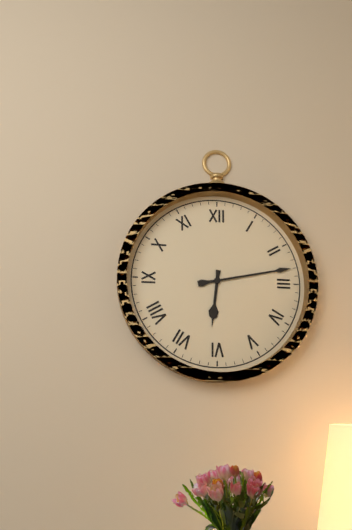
6h13
